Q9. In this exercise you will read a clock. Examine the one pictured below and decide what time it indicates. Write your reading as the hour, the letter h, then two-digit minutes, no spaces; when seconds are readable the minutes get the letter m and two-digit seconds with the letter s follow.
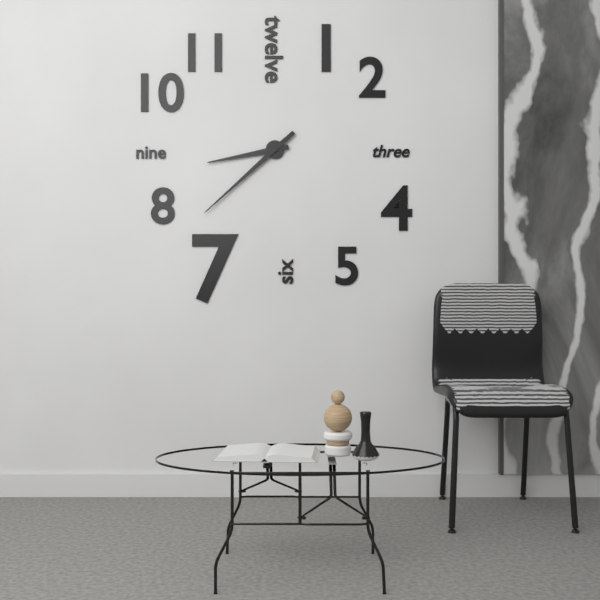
8h38
